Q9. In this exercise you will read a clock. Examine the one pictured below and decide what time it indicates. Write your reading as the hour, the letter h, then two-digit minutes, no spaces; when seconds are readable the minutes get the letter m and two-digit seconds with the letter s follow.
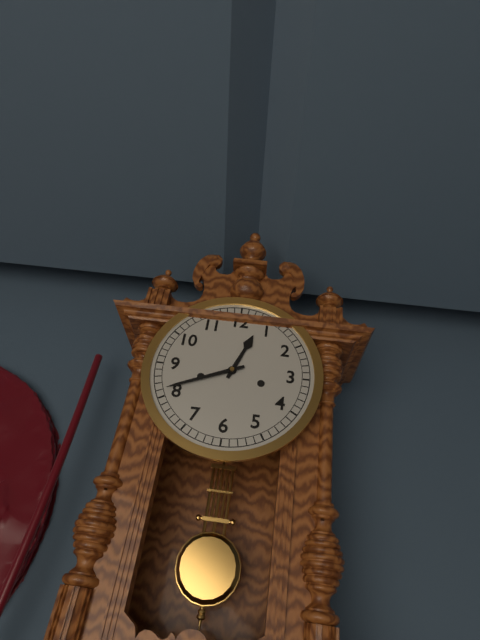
12h41
